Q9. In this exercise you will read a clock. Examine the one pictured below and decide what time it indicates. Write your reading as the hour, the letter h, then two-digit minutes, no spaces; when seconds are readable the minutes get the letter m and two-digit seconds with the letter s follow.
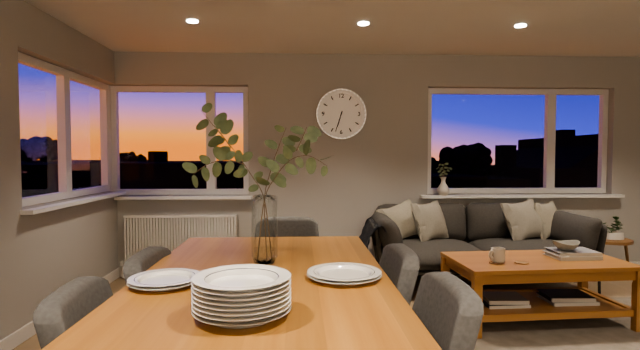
6h33
